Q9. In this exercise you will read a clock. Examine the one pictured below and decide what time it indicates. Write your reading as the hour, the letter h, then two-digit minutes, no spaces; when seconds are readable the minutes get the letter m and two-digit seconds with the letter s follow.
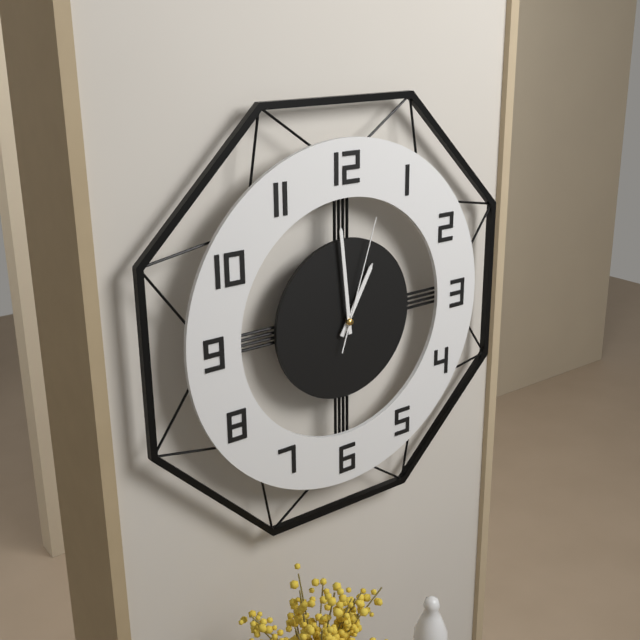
12h59m03s
